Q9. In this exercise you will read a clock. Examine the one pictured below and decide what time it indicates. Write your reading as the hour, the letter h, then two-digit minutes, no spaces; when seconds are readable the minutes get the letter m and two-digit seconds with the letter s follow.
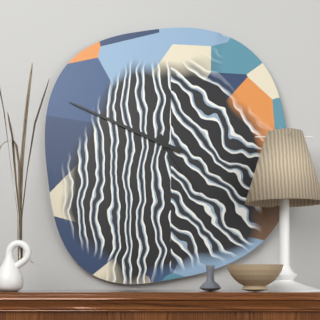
4h49
